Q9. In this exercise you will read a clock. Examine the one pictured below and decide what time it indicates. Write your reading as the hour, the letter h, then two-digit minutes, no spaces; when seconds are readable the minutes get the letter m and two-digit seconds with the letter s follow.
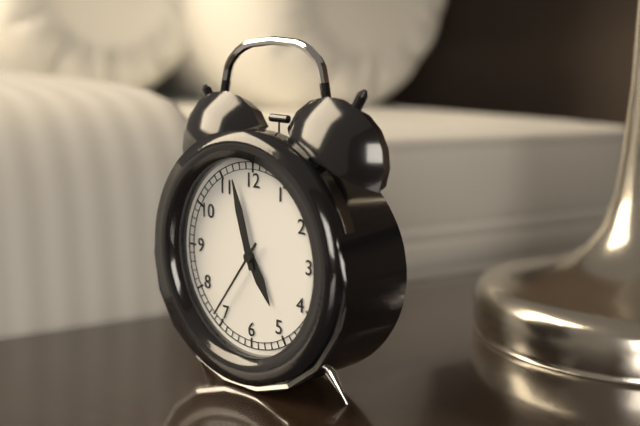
4h57m36s
